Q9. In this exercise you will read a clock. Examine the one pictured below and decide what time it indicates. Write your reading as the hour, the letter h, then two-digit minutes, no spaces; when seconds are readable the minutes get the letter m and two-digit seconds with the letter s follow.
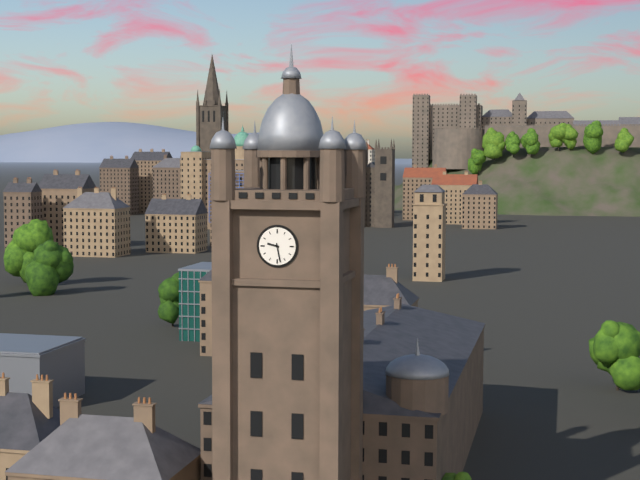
9h28
